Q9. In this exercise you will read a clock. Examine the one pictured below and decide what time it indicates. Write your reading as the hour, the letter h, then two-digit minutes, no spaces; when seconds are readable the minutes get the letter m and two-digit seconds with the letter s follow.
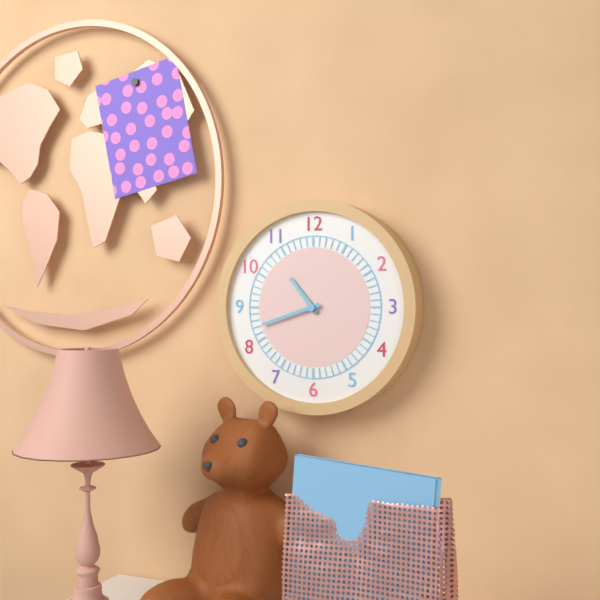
10h42
